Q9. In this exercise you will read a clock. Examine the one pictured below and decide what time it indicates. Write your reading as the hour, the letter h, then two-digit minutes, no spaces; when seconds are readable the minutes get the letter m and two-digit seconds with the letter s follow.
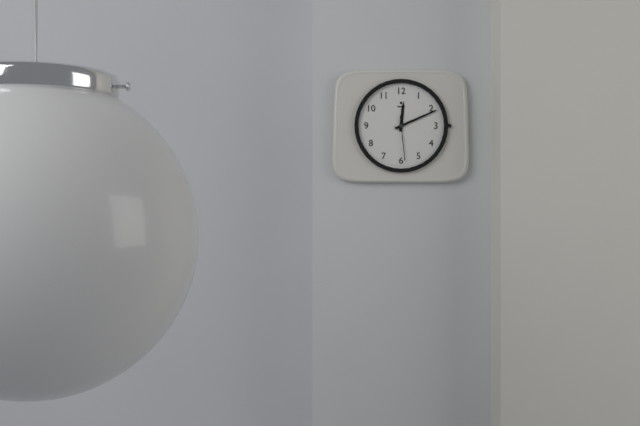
12h11
